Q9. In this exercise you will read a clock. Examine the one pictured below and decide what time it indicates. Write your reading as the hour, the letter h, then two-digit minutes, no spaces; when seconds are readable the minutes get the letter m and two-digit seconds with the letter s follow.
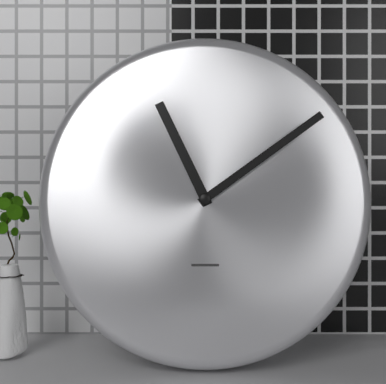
11h09
